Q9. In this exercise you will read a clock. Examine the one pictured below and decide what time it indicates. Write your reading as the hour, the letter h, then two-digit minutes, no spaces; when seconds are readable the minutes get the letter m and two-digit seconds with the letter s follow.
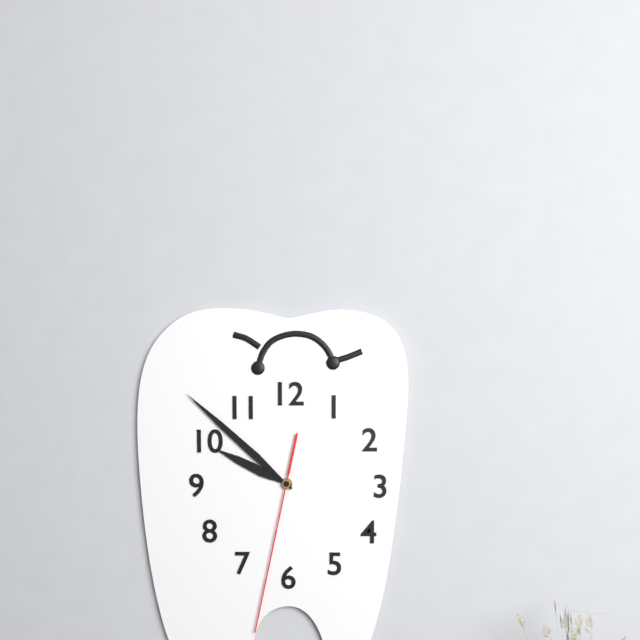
9h52m32s
